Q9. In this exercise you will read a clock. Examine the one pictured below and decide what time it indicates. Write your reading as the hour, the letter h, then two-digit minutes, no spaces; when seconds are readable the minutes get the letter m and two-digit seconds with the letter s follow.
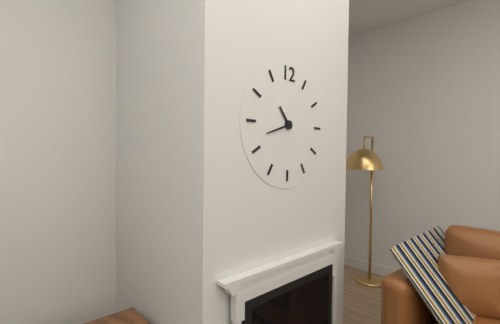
10h42
